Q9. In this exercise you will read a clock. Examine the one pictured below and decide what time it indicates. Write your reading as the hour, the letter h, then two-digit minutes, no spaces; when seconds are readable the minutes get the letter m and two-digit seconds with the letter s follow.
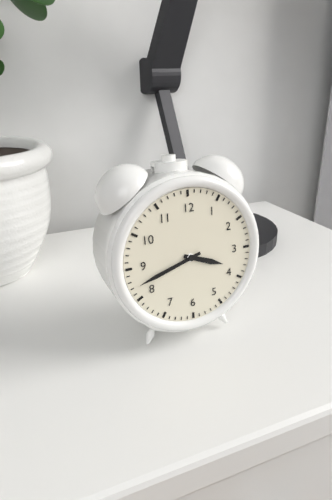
3h42
